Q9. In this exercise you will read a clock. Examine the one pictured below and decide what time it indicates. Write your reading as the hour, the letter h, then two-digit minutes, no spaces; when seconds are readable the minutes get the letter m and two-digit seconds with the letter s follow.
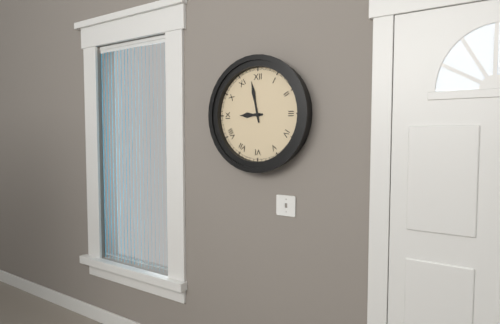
8h58
